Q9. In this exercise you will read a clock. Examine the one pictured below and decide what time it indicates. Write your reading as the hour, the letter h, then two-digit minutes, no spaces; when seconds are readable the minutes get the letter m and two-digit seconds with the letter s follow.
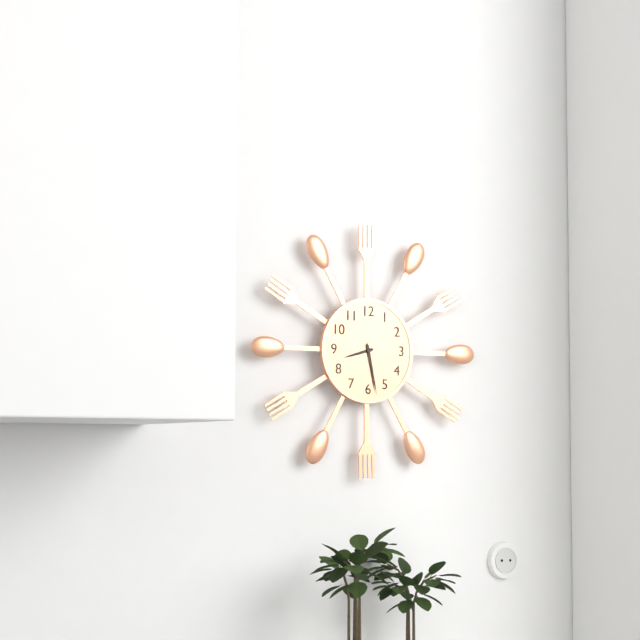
8h28
